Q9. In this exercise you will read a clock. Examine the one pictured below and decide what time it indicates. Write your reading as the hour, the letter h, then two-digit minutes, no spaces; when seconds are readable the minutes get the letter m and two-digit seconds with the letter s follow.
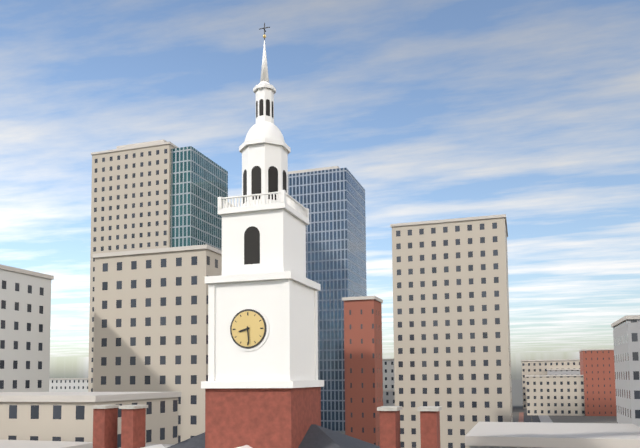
8h29
